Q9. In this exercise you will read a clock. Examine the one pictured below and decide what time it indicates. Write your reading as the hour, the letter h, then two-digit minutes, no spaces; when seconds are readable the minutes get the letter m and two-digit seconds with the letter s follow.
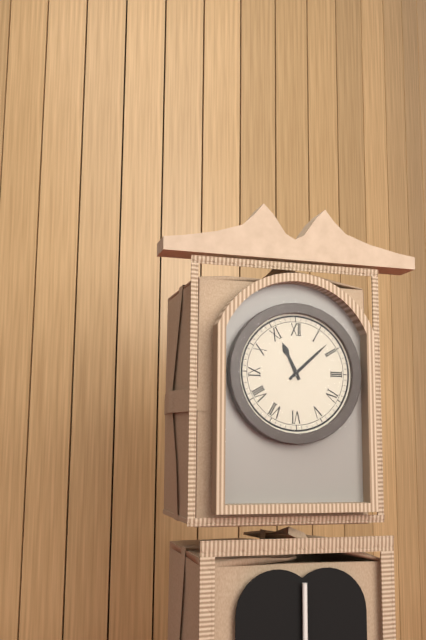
11h08
